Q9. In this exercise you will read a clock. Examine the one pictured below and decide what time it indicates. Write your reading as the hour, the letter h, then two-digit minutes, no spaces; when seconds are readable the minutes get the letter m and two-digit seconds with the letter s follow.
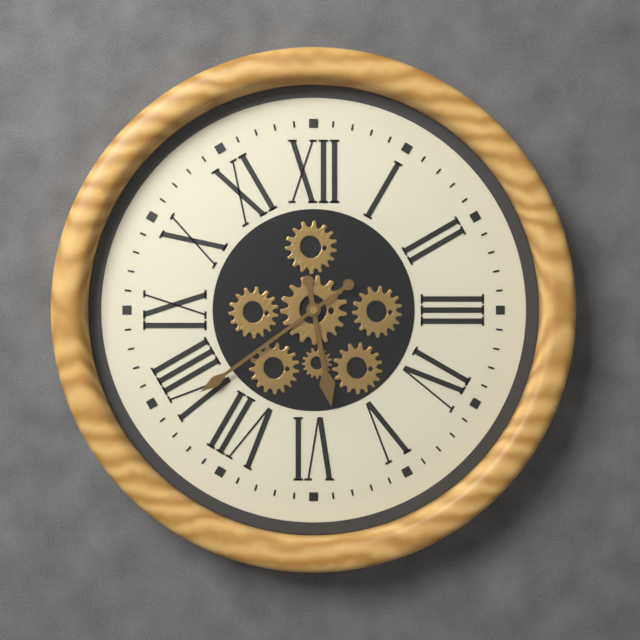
5h39
